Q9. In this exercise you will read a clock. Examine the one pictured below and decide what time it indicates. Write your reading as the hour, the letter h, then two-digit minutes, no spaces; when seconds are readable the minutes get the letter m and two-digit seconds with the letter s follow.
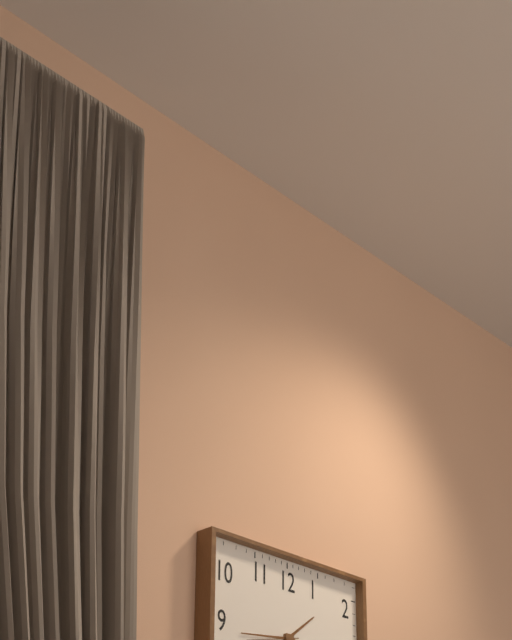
1h44m43s
